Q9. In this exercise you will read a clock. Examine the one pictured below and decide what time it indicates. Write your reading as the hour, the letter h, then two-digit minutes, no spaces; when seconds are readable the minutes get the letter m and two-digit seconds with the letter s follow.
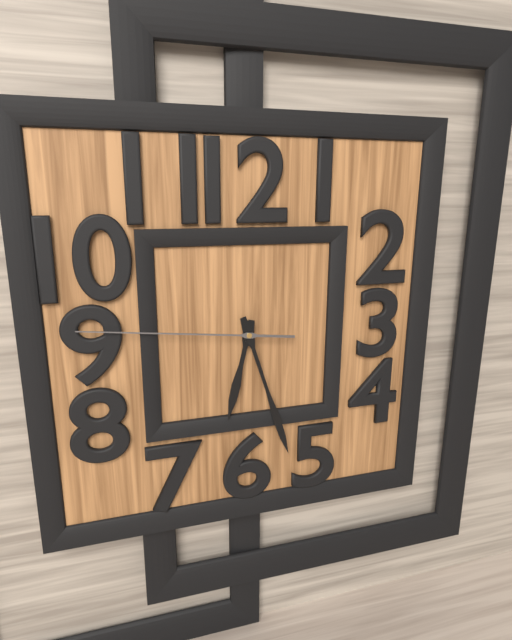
6h27m46s
